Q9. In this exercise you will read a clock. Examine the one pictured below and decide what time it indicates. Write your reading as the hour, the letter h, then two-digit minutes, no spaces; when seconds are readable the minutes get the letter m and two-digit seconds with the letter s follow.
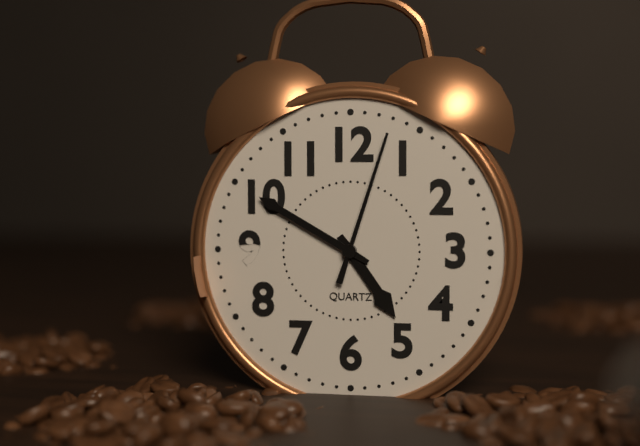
4h50m03s
